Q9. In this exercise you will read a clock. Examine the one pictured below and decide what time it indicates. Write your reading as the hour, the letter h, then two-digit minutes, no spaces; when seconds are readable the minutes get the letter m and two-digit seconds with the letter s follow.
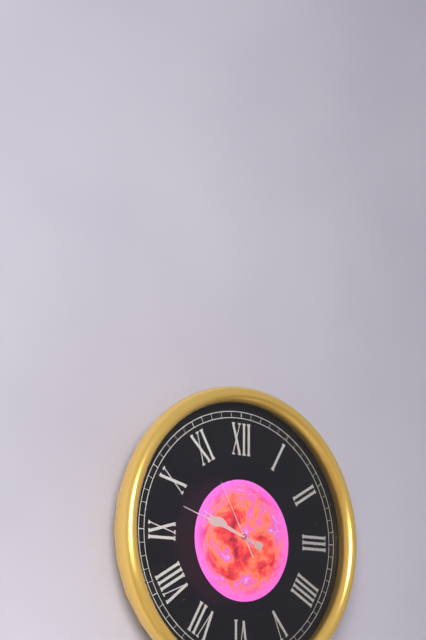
9h48m55s
